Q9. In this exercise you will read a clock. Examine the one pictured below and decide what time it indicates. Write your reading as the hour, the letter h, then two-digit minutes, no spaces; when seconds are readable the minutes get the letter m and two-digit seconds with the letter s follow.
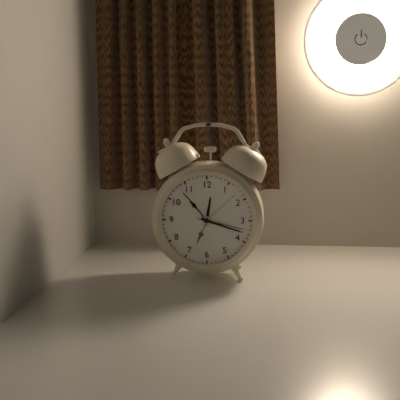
12h18m17s
